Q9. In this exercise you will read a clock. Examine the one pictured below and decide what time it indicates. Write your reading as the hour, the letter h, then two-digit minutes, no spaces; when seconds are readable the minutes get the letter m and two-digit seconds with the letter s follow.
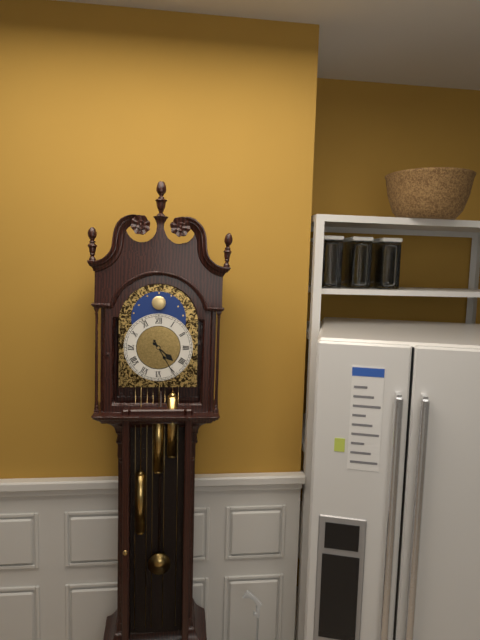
4h25
